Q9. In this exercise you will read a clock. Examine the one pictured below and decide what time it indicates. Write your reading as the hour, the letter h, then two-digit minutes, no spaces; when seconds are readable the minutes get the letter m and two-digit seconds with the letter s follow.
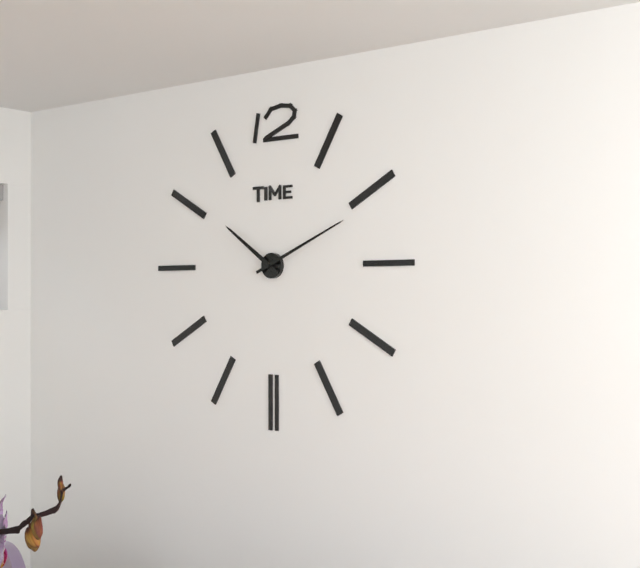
10h11
